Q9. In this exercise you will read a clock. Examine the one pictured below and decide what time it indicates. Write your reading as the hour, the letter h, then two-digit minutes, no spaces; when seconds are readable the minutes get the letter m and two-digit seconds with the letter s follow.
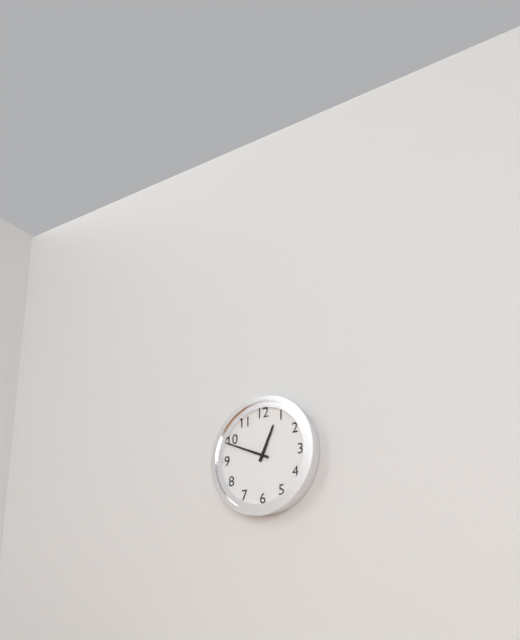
12h49
